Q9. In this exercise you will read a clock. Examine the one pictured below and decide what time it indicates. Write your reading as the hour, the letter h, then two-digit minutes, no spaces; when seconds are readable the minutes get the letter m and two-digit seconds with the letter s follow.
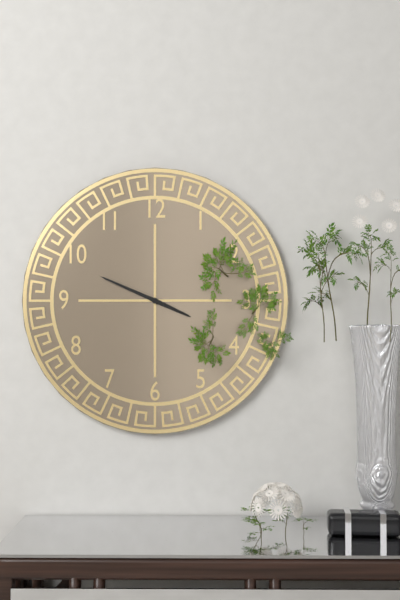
3h49
